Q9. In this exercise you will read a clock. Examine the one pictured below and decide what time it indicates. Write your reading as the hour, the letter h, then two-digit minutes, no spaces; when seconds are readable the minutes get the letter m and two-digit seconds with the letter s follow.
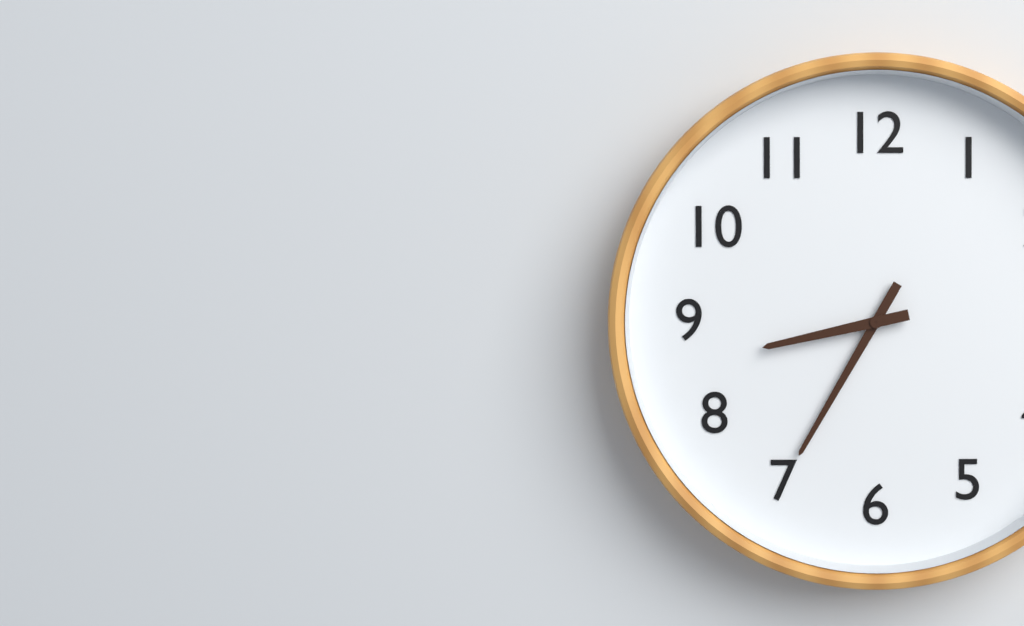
8h35
